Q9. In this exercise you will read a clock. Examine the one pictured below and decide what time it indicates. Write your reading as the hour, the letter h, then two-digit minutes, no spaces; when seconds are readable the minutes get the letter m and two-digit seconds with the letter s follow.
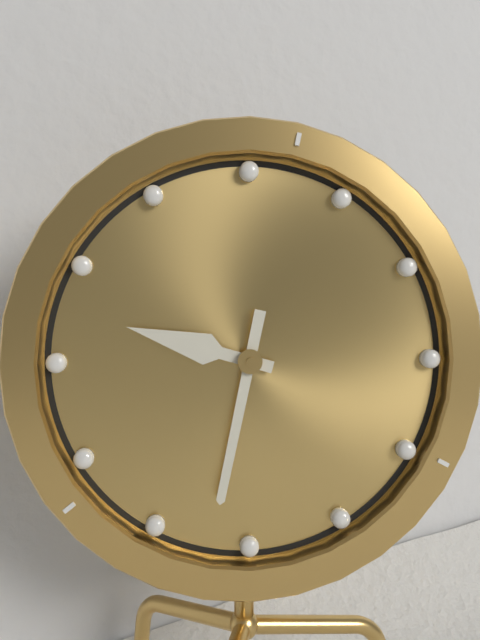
9h32
